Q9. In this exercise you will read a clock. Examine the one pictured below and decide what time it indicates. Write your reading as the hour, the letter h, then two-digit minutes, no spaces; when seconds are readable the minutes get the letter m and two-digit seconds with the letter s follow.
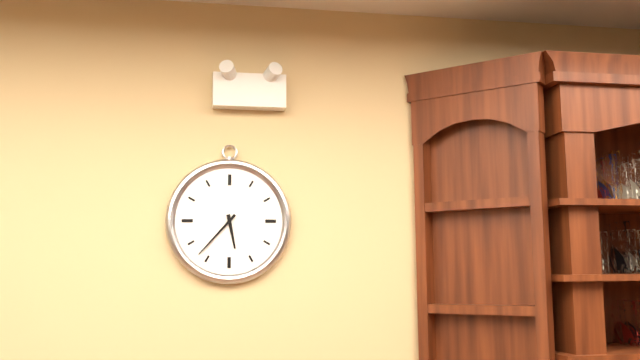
5h37
